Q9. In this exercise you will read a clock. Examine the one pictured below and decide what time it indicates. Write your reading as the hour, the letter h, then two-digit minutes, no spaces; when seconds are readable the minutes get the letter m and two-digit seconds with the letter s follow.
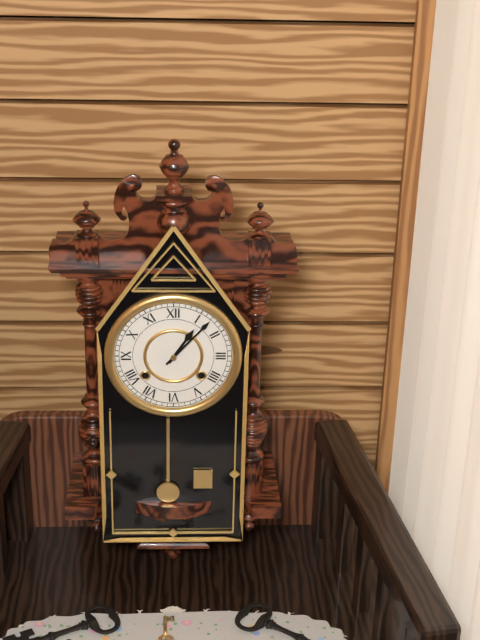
1h07
